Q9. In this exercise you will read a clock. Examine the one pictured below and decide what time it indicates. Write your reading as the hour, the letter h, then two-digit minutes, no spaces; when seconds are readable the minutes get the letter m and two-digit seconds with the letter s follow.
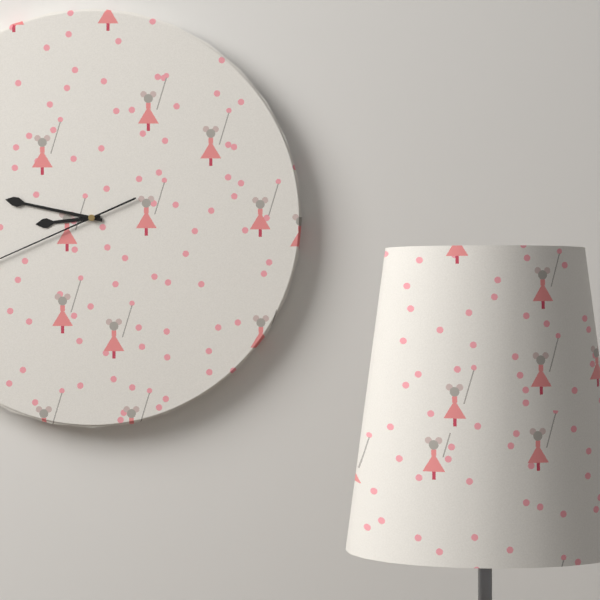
8h47
